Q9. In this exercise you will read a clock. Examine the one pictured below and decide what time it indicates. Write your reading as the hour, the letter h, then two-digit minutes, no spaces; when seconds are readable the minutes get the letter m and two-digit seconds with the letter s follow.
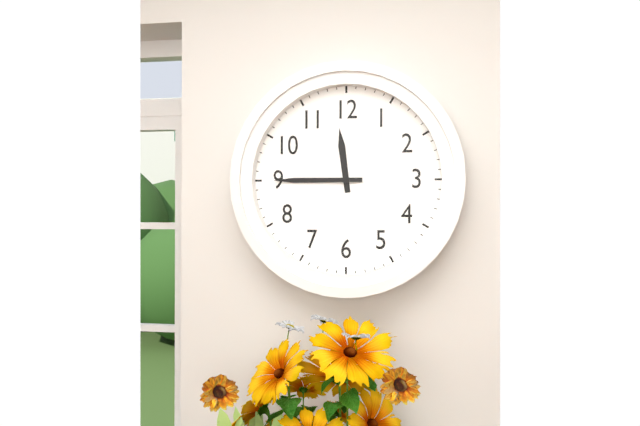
11h45
